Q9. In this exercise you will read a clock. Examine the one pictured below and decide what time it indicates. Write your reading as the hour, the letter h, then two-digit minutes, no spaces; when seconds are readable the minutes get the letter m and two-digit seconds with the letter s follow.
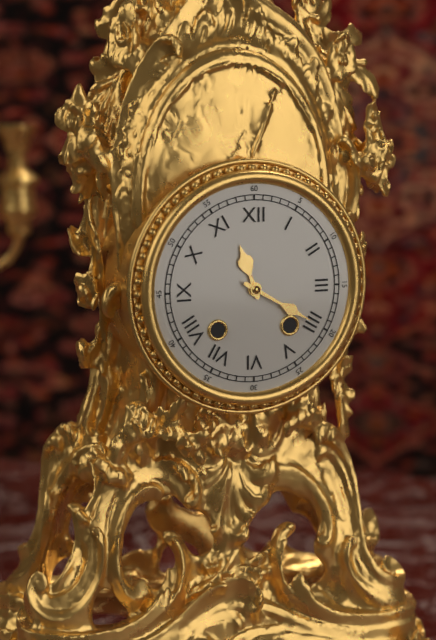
11h20
